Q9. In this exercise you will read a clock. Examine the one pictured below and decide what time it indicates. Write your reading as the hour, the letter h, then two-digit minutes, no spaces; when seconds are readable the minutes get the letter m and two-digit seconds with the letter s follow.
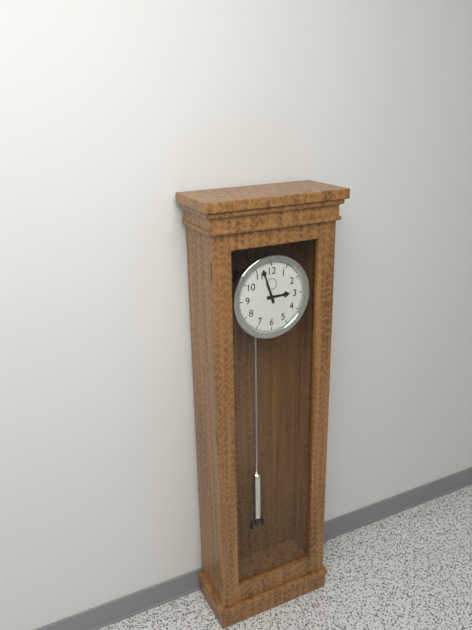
2h57
